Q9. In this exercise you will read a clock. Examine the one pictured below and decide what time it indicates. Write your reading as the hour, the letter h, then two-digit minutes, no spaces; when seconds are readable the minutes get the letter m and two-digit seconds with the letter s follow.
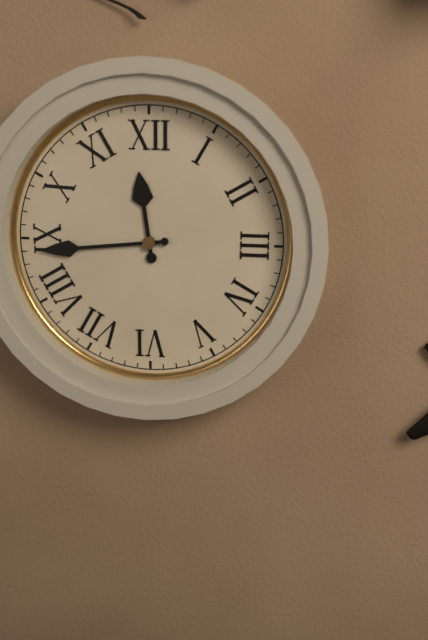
11h44
